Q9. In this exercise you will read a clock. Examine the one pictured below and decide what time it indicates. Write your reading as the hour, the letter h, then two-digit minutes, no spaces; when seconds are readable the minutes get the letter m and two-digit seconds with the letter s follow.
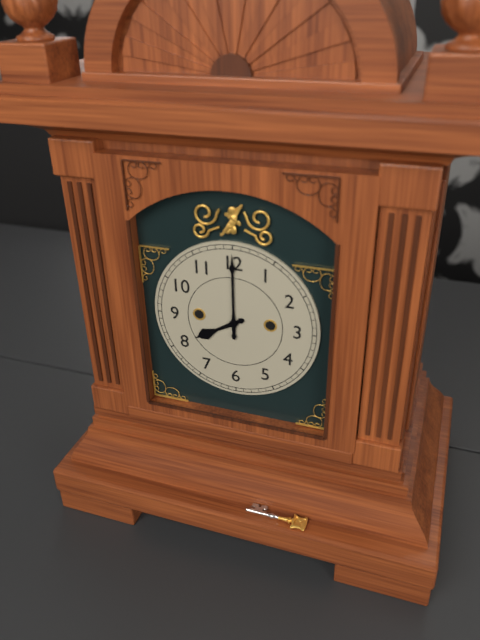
8h00
